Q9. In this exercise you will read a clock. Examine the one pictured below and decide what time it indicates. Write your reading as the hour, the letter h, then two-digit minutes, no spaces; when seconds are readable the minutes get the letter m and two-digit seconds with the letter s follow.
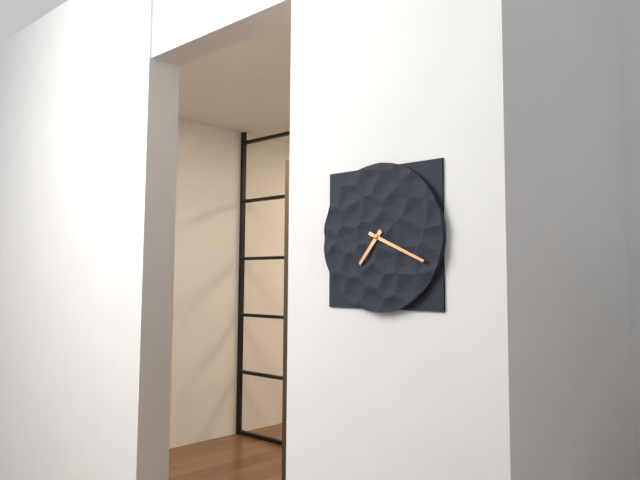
7h19
